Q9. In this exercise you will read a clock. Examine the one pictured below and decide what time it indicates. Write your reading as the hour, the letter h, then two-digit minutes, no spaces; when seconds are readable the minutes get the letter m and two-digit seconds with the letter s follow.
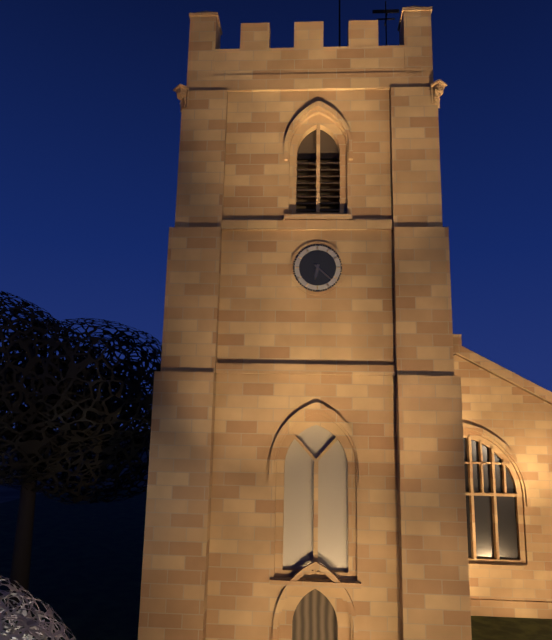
6h22
